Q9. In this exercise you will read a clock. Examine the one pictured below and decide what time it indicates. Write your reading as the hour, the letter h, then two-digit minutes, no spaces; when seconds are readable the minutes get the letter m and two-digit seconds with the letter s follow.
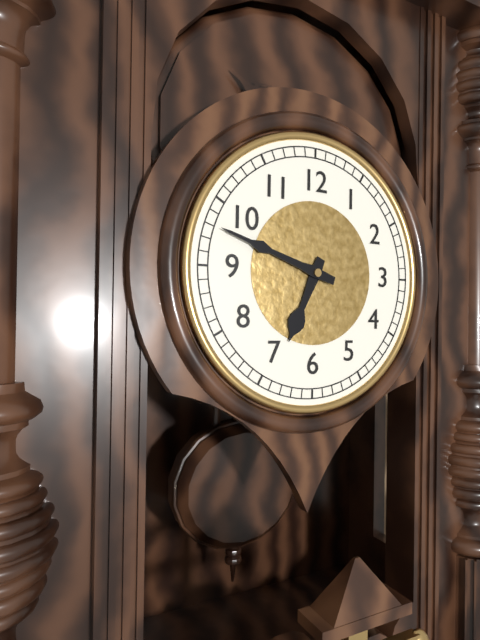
6h48
